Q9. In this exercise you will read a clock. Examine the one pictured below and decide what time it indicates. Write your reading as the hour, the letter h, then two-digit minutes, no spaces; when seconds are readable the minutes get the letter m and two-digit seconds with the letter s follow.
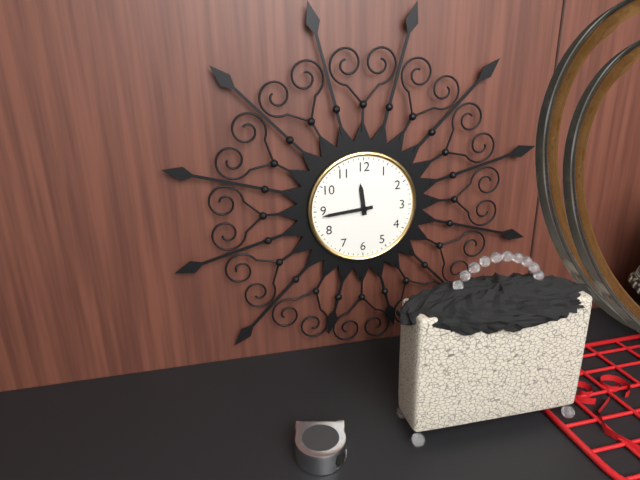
11h44
